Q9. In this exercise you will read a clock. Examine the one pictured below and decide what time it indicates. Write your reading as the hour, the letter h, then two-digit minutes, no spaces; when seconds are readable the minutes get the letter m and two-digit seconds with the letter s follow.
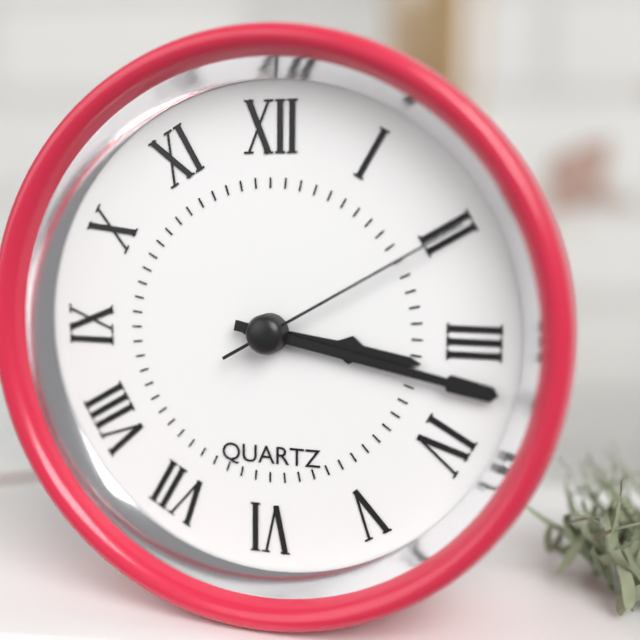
3h17m10s
